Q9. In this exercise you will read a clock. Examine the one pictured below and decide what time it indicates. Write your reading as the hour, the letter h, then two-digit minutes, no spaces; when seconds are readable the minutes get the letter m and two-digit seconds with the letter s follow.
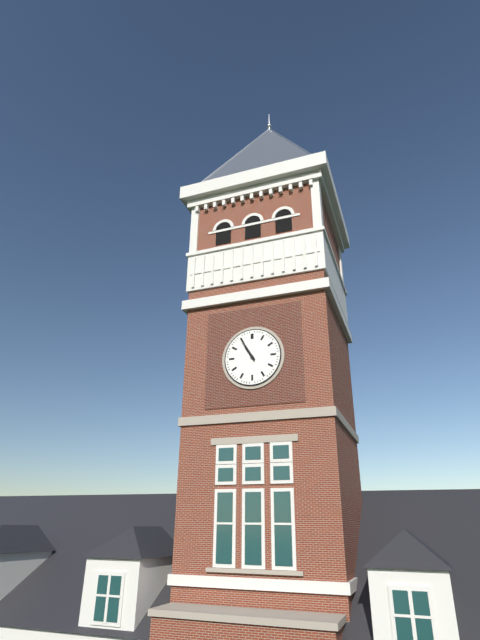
10h55
